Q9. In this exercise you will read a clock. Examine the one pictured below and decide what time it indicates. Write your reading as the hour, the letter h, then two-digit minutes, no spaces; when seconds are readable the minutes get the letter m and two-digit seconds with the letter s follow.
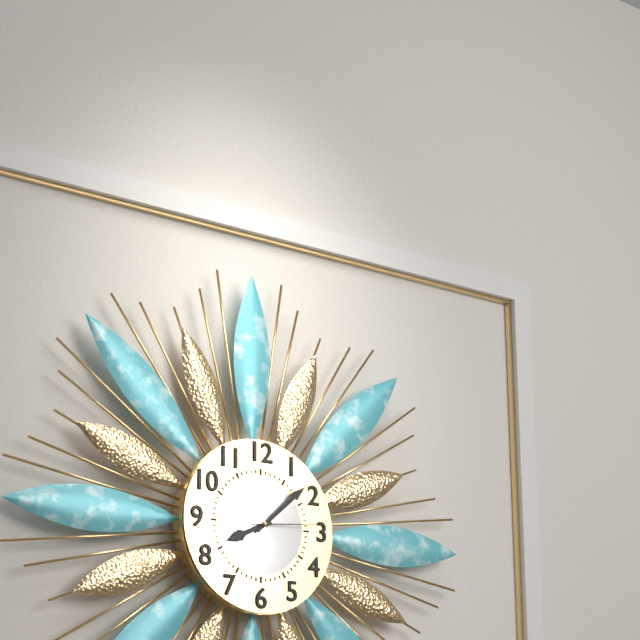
8h08m14s
